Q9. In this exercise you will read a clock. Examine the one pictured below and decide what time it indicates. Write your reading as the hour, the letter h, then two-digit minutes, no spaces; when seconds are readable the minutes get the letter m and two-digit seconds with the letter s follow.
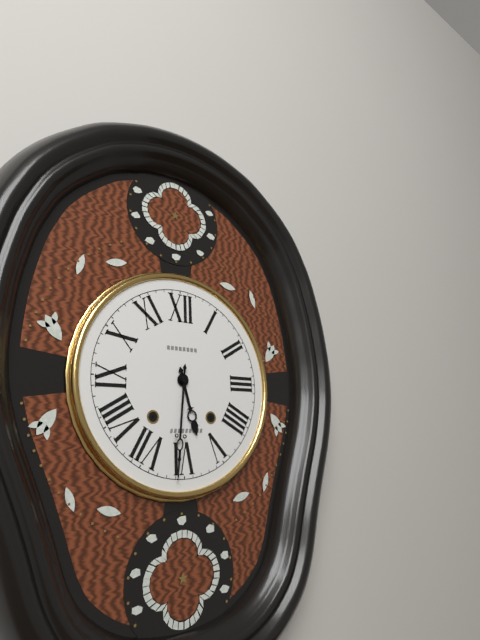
5h31
